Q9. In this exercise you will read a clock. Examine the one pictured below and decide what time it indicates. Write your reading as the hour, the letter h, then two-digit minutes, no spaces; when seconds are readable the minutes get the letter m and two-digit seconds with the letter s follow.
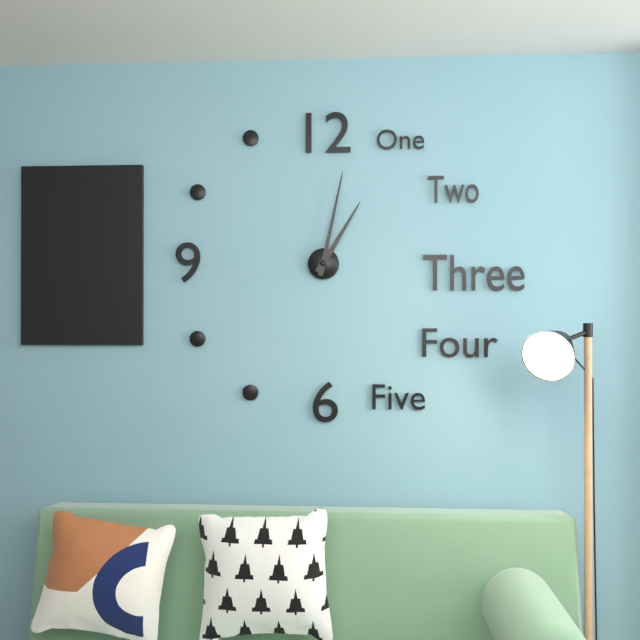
1h02
